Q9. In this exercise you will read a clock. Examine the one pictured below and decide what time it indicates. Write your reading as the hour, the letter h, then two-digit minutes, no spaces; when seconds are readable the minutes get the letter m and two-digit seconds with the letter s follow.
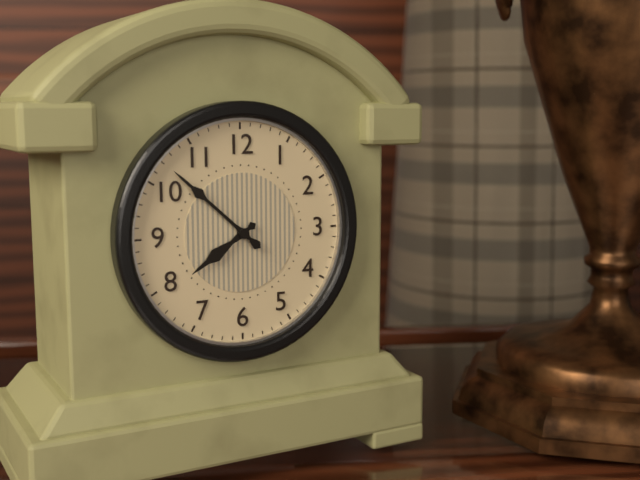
7h52
